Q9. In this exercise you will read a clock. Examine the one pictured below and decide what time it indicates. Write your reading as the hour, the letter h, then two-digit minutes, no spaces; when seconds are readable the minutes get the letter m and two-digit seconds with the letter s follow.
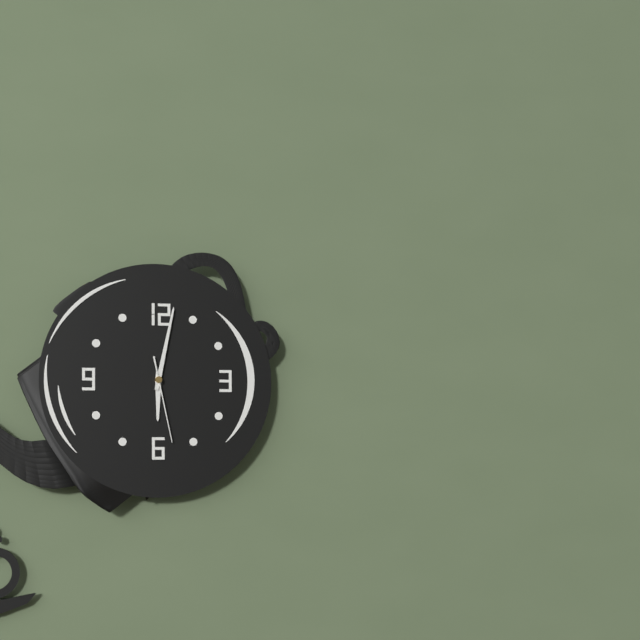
6h02m28s
